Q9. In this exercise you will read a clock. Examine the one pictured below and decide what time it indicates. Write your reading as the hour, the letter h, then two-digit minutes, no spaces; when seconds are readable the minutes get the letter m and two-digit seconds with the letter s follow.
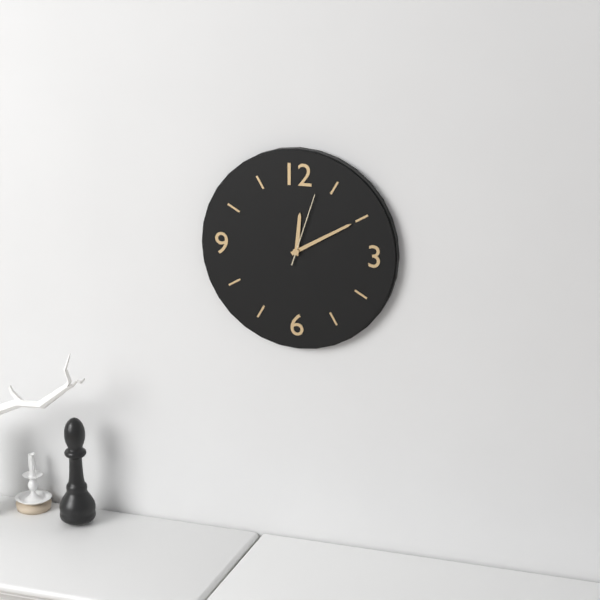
12h10m03s
